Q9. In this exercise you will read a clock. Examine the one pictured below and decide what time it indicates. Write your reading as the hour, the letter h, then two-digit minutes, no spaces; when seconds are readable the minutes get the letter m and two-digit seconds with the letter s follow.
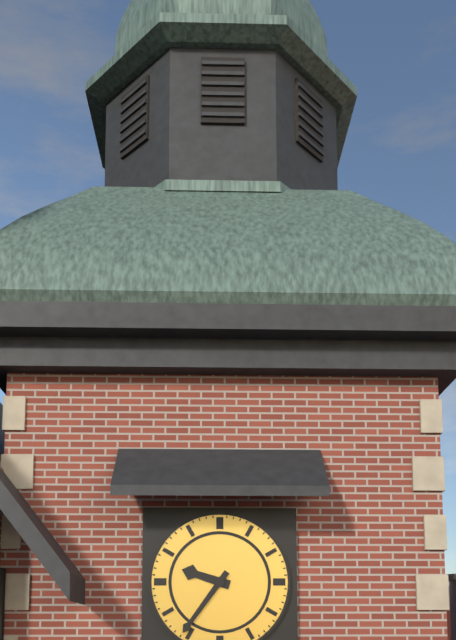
9h36
